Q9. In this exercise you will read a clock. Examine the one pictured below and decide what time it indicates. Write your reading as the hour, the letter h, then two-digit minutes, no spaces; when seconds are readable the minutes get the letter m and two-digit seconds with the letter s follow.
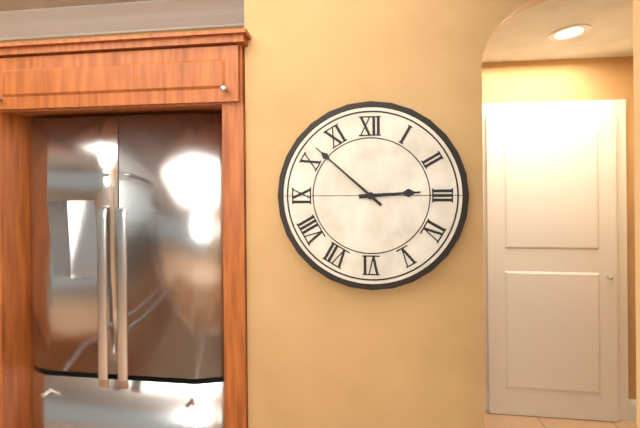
2h52
